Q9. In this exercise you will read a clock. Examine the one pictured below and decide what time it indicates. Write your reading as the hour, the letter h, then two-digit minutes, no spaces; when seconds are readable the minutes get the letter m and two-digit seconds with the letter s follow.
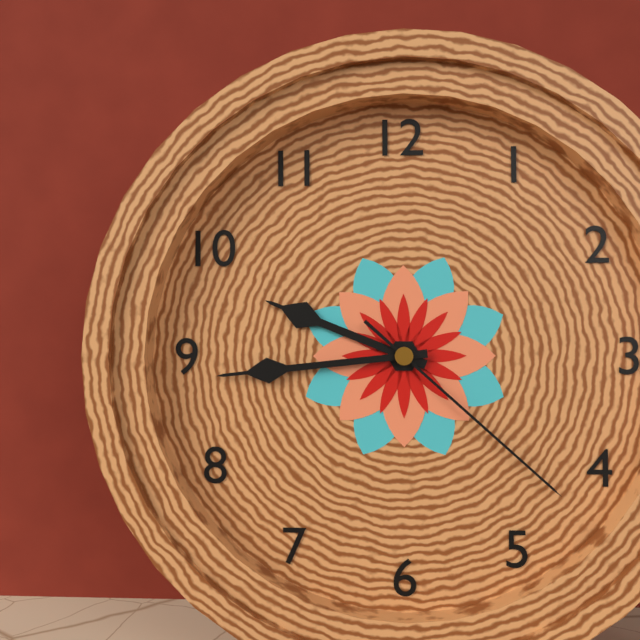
9h44m22s
